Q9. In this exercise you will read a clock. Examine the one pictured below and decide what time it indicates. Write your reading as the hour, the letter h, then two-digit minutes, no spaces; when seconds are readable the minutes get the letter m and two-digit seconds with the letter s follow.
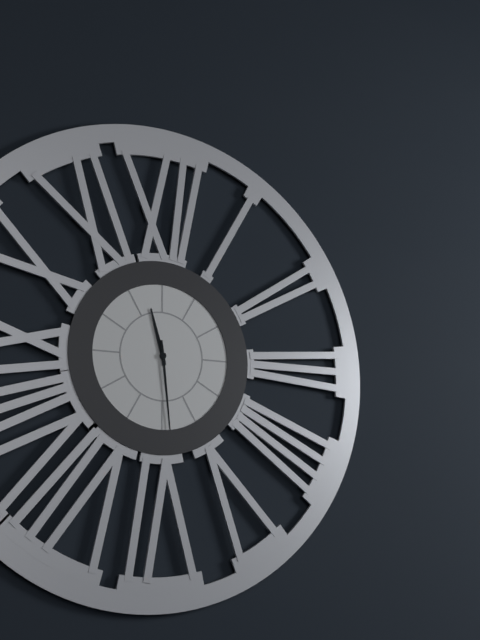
11h29
